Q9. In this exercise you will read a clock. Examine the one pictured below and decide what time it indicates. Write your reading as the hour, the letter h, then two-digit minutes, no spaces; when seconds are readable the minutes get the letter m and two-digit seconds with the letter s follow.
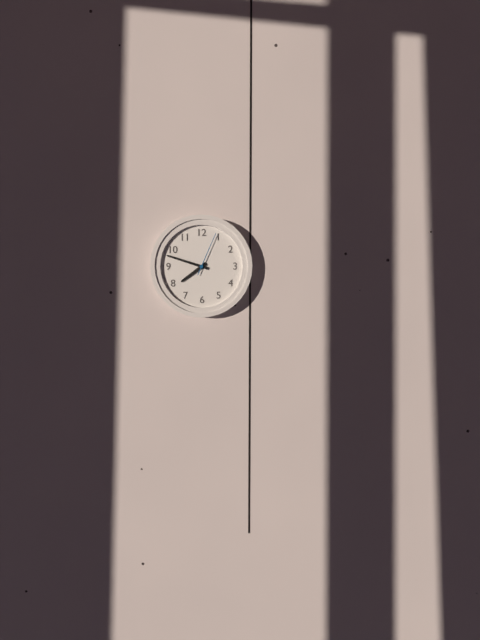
7h48
